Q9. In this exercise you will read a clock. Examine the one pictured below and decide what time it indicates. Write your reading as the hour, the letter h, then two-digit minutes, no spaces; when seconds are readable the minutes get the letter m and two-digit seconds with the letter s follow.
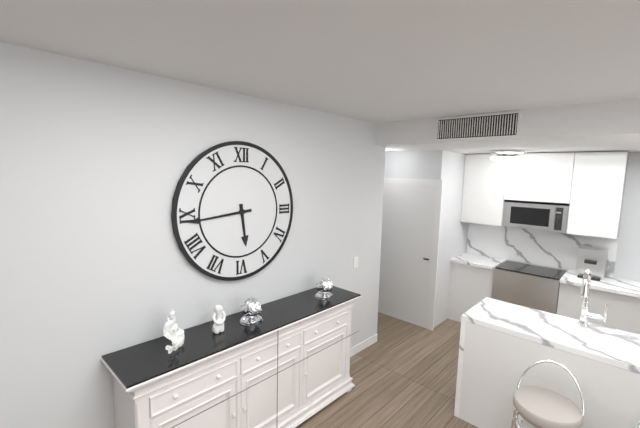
5h44
